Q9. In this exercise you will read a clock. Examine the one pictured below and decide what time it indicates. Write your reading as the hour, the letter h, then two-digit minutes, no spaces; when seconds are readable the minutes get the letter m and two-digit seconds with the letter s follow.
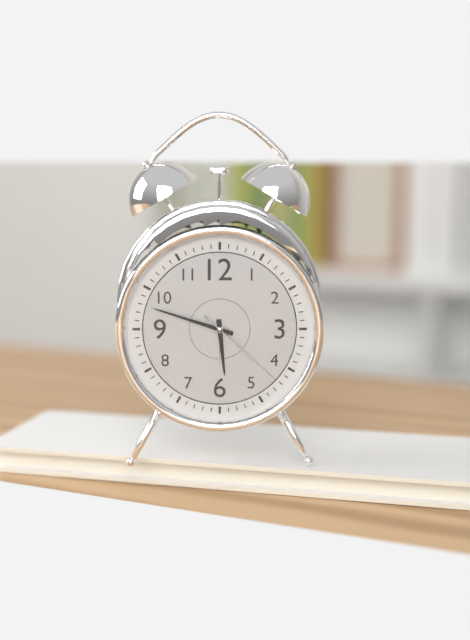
5h48m22s
